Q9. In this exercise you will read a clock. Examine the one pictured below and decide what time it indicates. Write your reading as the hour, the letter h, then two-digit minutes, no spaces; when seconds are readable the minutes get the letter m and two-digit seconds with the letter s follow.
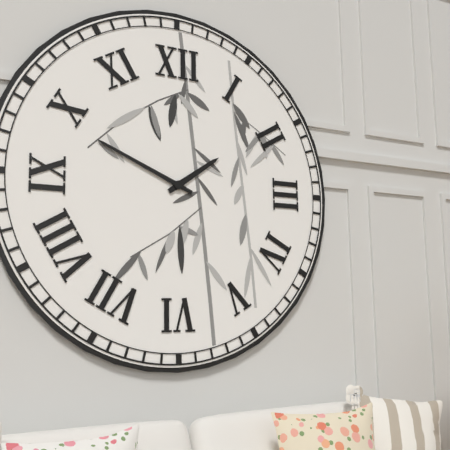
1h49
